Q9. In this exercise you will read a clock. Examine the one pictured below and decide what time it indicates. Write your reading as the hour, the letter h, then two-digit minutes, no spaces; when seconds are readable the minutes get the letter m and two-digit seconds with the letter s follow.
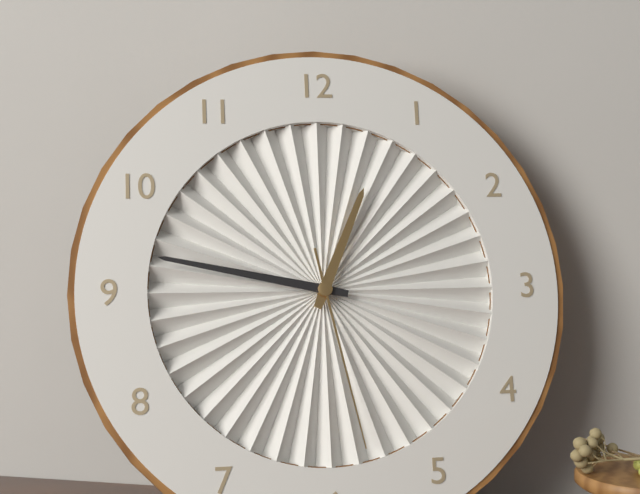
12h47m28s
